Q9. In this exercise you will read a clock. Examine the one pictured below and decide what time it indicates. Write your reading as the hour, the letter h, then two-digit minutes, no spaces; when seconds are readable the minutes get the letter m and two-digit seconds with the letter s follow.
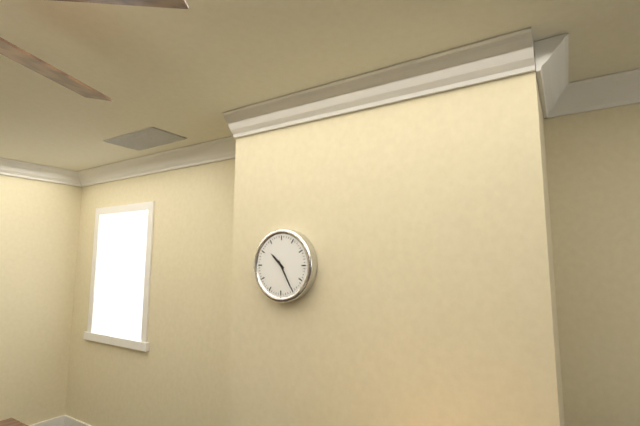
10h25
